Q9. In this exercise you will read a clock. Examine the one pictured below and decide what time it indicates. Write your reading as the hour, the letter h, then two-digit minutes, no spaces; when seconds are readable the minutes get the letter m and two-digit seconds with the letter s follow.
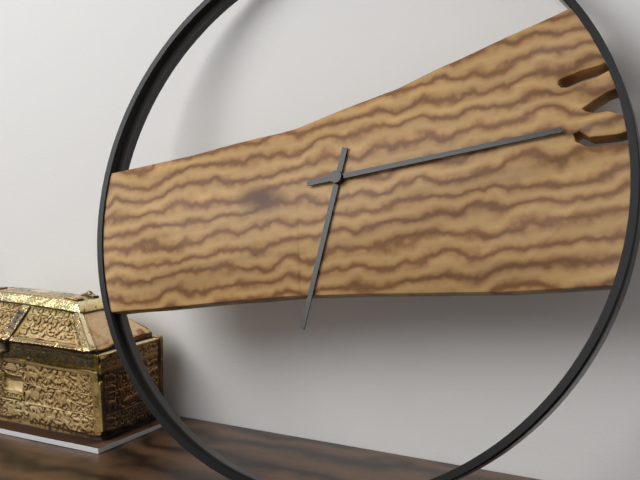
6h13
